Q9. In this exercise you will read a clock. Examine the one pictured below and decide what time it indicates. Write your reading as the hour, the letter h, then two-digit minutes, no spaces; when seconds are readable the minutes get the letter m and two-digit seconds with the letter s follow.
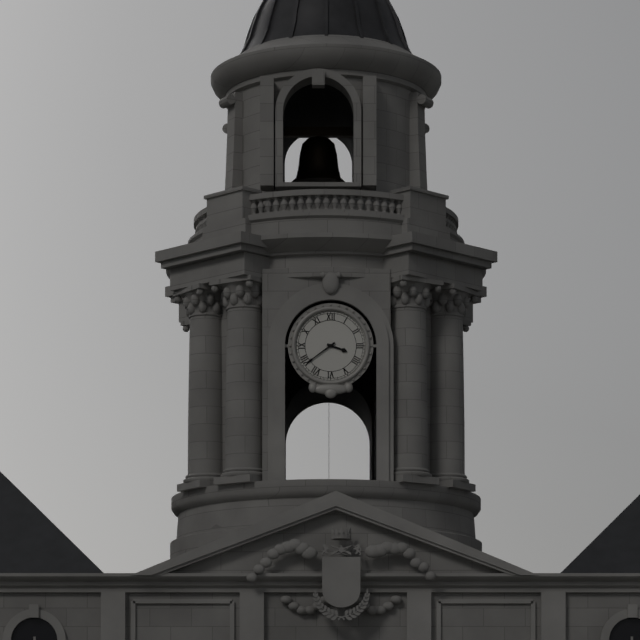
3h39
